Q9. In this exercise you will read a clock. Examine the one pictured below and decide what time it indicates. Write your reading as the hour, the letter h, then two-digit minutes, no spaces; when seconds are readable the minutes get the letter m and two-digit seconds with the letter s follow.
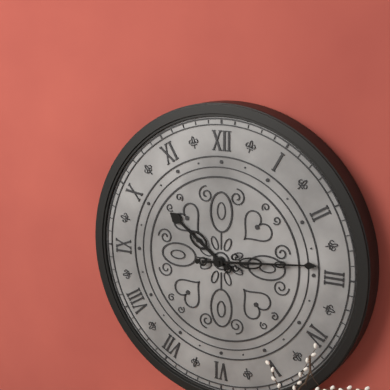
10h14
